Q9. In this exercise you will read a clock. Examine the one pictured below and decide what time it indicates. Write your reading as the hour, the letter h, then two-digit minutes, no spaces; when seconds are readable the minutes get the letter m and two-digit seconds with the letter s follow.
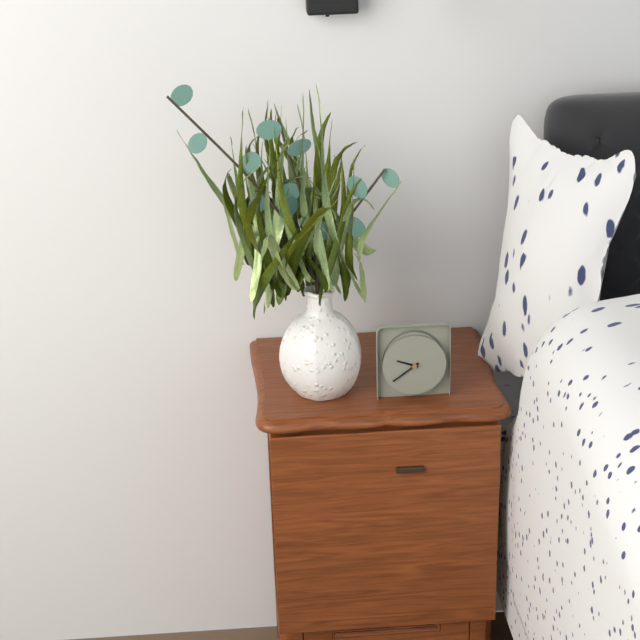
9h39
